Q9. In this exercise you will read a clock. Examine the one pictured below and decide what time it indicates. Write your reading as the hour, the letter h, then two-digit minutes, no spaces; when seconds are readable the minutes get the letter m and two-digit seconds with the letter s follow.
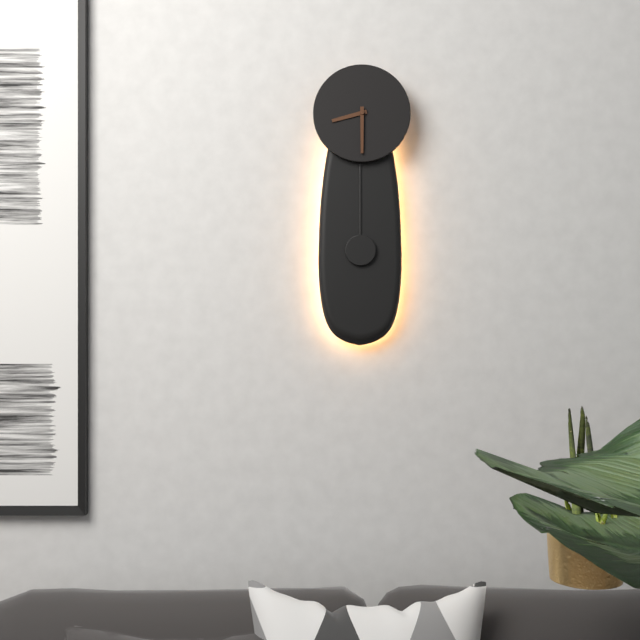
8h30
